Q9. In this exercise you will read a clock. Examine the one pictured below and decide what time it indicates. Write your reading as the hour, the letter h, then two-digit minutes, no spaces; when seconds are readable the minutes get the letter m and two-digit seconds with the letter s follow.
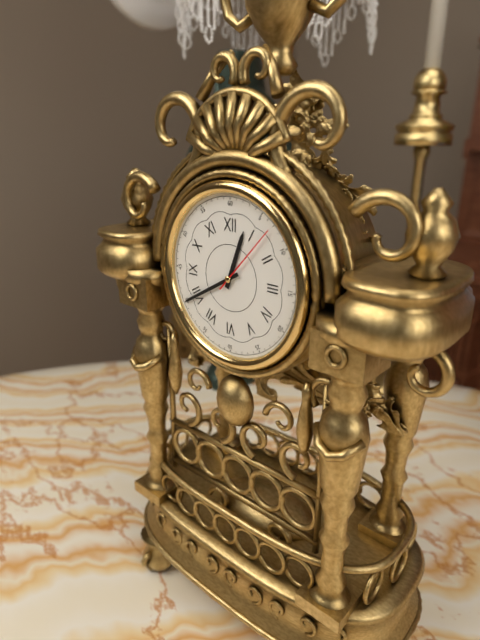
12h40m07s
